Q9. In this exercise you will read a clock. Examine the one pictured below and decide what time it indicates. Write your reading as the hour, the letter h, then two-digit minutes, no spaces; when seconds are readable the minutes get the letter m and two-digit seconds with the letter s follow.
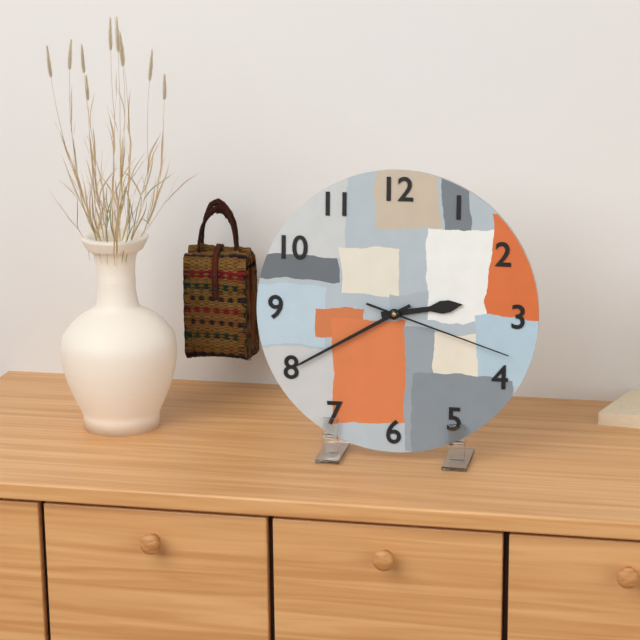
2h40m18s
